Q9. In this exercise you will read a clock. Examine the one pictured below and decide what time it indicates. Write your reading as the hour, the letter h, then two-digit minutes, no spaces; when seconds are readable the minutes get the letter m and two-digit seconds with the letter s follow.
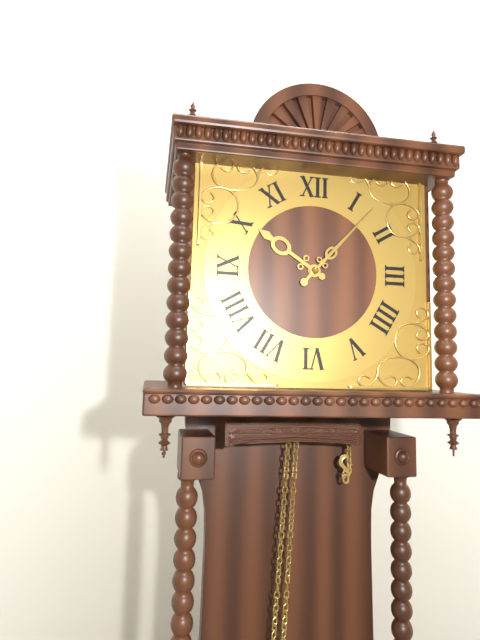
10h07
